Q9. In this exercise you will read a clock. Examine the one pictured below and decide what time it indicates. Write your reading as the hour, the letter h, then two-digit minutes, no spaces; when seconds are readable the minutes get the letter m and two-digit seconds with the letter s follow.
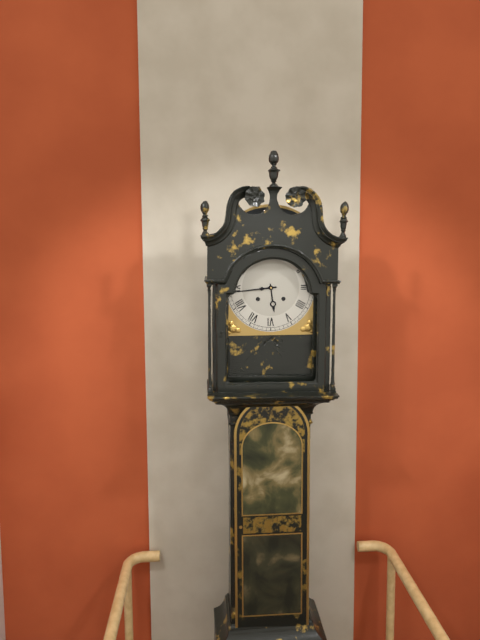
5h44
